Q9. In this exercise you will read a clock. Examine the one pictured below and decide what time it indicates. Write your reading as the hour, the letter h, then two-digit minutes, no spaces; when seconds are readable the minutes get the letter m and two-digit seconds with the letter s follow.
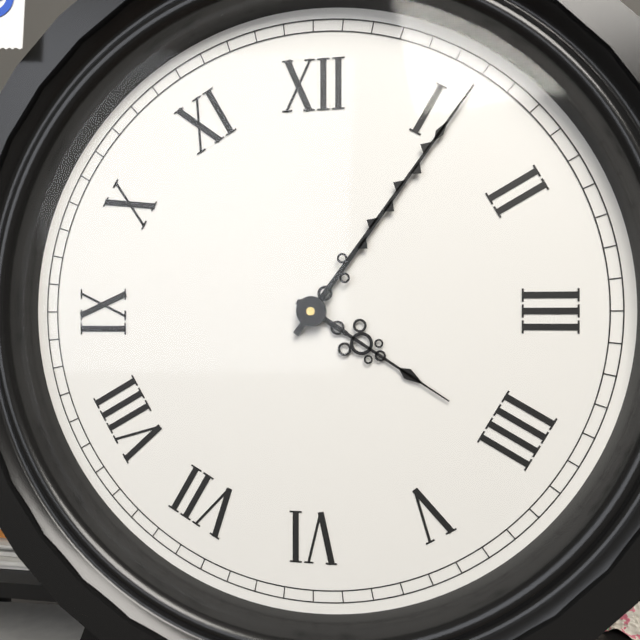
4h06
